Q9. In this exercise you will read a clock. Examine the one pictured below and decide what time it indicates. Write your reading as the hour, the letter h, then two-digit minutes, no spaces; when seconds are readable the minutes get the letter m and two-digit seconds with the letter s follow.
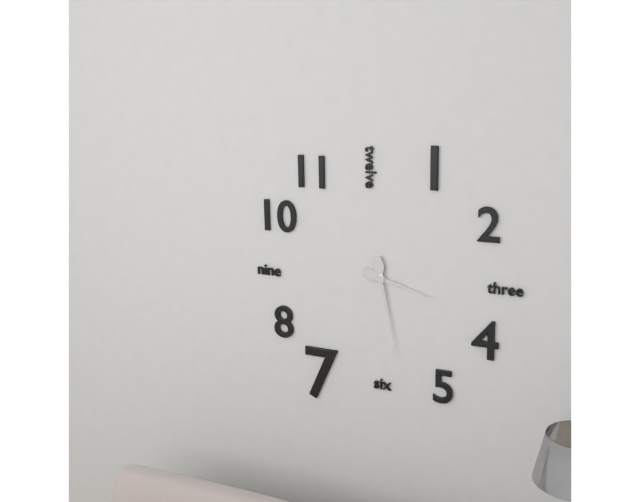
3h28
